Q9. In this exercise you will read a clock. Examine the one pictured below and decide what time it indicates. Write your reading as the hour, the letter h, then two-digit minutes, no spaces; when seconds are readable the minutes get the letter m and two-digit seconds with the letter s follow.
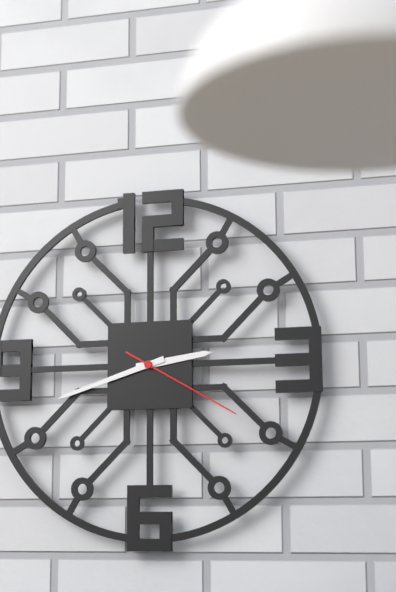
2h42m20s
